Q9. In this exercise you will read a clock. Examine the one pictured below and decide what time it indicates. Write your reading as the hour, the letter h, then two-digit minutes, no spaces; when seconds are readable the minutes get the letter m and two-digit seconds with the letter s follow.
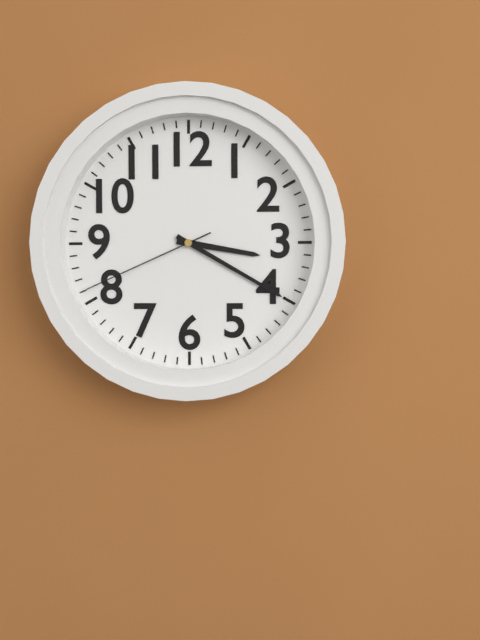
3h20m41s
